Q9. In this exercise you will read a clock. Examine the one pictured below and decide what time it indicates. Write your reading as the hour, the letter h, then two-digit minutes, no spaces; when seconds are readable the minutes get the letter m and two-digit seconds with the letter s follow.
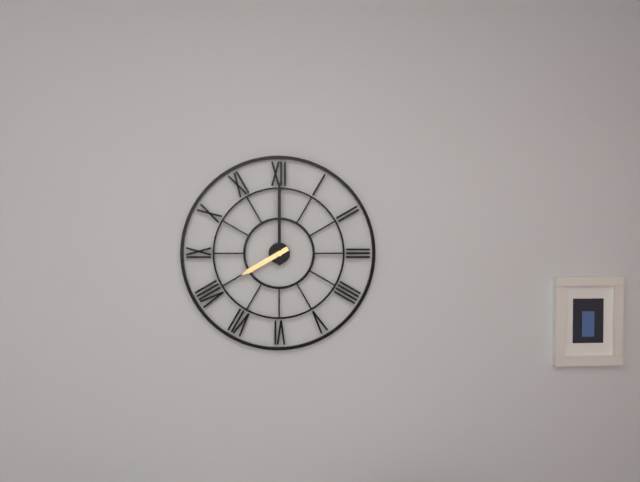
8h00
